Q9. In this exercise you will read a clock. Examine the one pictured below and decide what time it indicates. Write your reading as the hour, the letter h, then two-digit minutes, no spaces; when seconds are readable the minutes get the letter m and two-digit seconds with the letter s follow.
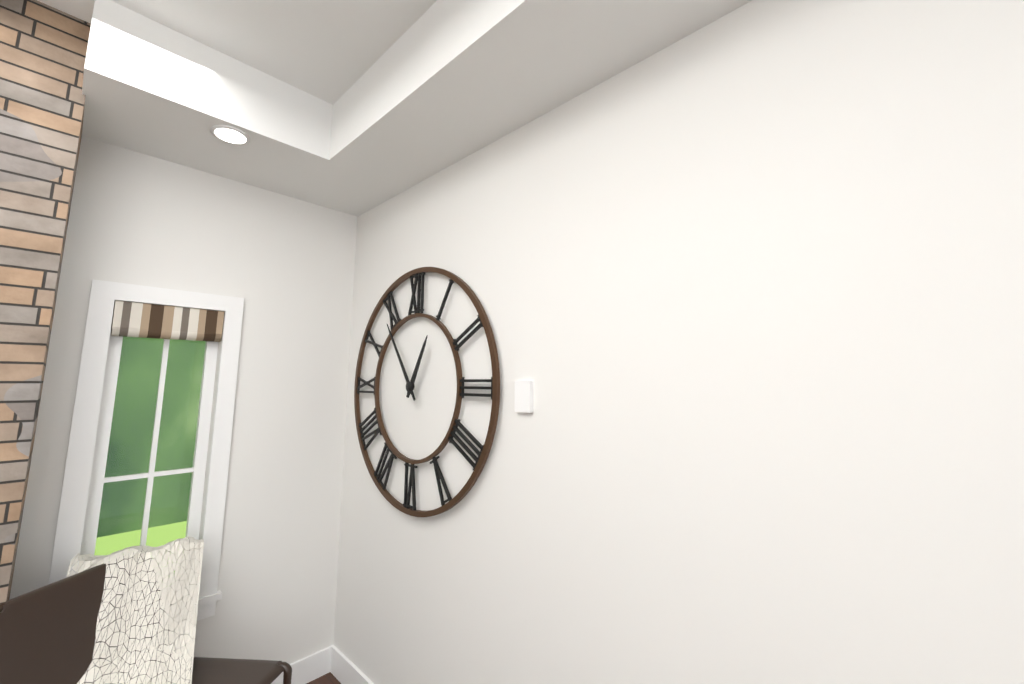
12h54
